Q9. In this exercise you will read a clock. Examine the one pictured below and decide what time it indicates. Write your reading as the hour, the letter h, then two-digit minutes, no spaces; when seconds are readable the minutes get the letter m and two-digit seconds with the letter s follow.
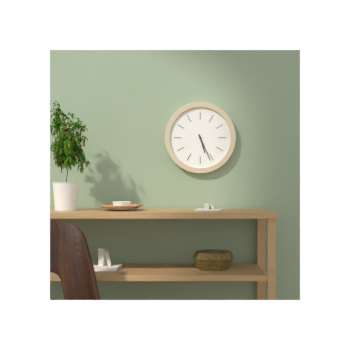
5h26
